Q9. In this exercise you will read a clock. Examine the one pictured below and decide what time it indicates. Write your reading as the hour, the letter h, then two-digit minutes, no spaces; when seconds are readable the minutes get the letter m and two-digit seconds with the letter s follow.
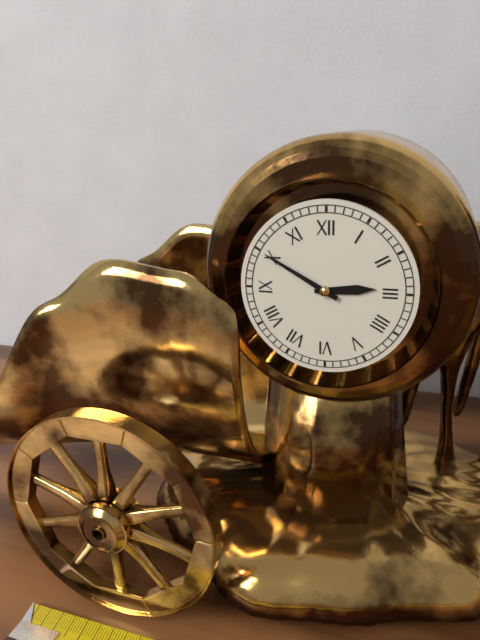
2h50
